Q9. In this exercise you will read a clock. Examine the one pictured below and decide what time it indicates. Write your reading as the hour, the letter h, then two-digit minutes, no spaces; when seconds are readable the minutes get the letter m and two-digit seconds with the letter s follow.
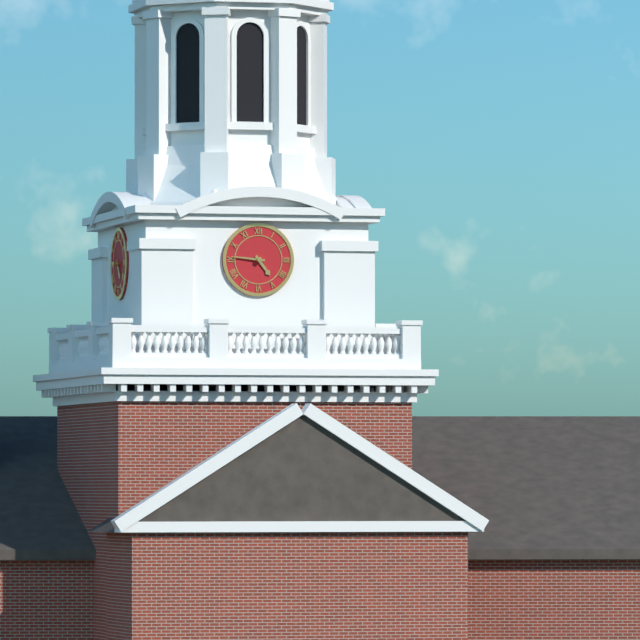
4h46
